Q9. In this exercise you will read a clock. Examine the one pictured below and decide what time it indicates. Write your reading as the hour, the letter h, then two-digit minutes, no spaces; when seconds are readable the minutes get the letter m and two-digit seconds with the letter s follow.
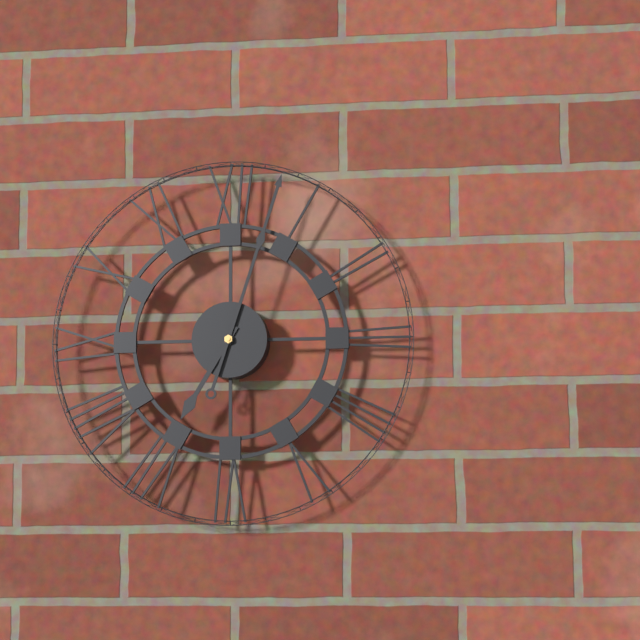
7h03
